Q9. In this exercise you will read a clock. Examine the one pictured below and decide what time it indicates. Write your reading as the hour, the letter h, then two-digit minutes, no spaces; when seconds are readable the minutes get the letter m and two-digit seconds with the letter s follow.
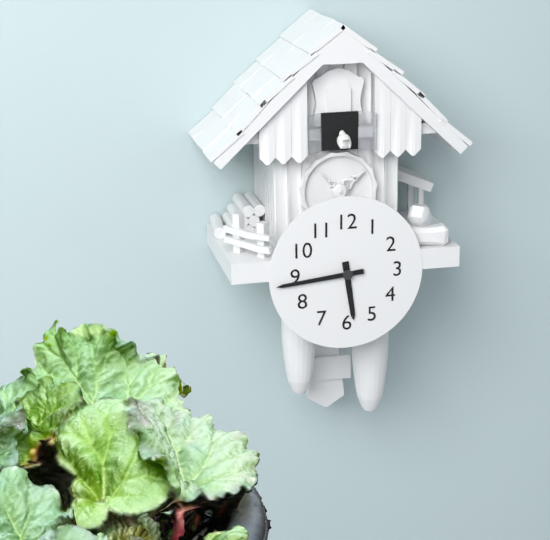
5h44
